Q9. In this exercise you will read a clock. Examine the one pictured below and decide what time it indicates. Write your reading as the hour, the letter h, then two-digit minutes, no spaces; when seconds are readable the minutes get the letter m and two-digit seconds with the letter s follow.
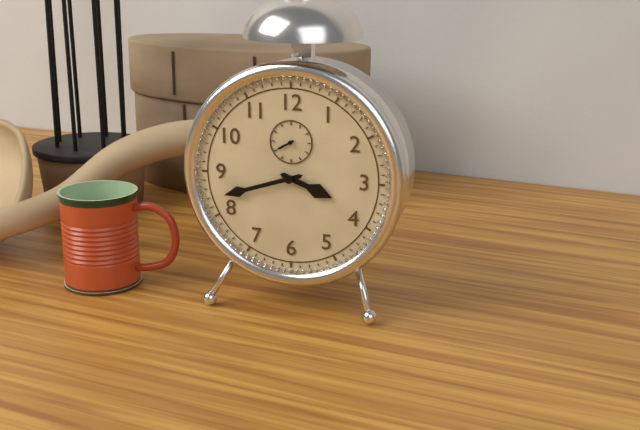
3h42
